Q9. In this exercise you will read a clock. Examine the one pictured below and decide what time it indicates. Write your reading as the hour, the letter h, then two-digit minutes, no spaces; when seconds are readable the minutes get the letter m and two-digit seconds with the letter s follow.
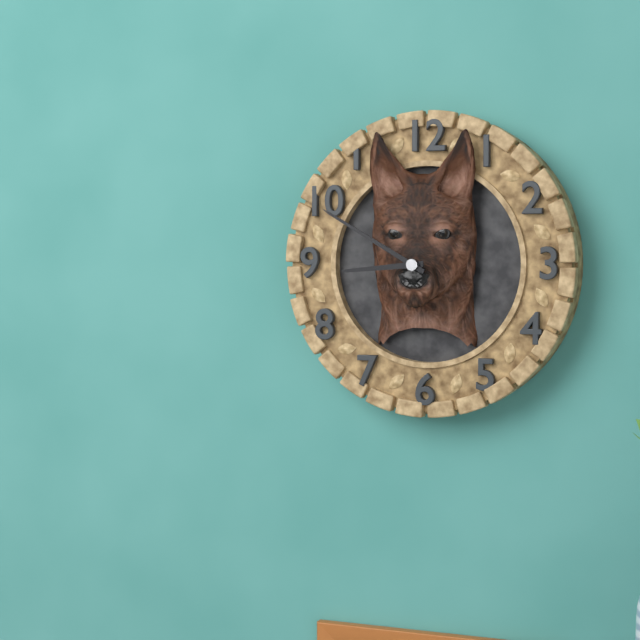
8h50
